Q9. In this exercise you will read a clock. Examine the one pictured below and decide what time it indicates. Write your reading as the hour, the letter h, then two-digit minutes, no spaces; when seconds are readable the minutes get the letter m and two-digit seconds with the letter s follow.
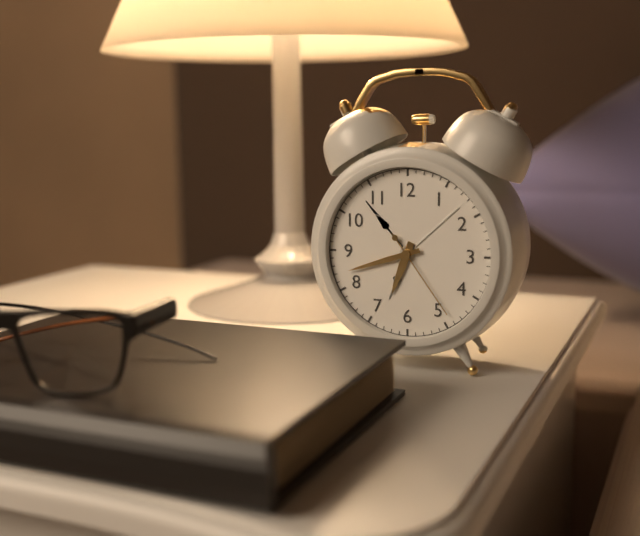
6h42m24s
